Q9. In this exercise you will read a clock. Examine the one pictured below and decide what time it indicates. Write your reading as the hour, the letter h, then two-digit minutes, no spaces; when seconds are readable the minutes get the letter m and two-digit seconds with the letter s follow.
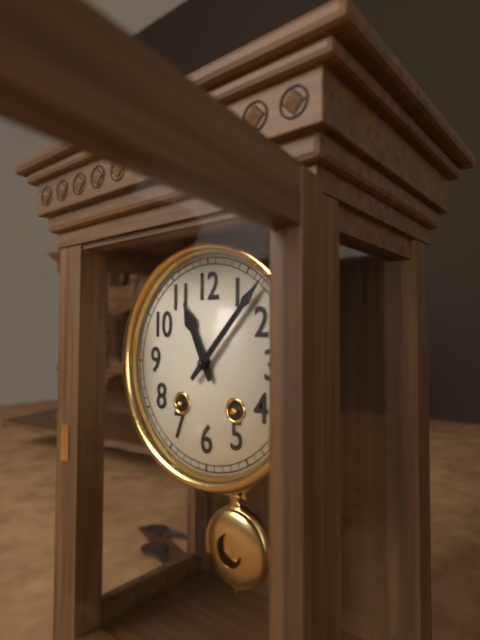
11h07
